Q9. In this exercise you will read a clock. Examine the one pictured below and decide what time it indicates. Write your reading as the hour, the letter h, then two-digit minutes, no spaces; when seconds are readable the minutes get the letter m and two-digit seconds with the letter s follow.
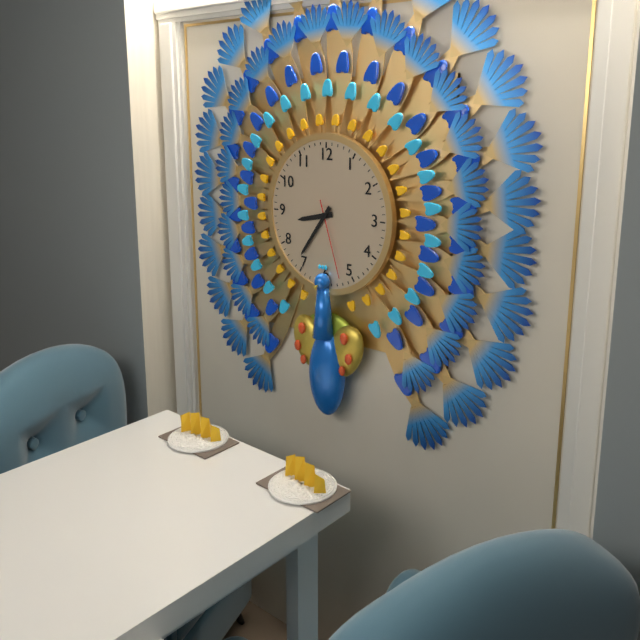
8h36m27s
